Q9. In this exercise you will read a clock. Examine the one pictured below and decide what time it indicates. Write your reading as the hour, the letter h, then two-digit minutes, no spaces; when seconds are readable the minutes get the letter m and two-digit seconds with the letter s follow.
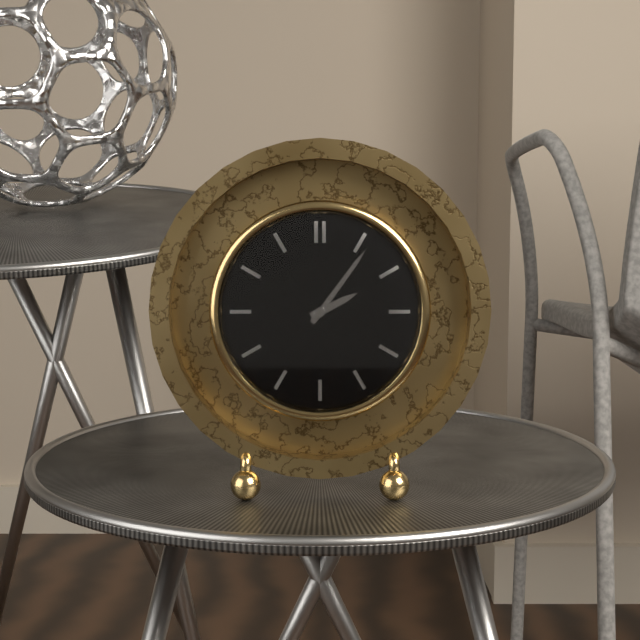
2h06
